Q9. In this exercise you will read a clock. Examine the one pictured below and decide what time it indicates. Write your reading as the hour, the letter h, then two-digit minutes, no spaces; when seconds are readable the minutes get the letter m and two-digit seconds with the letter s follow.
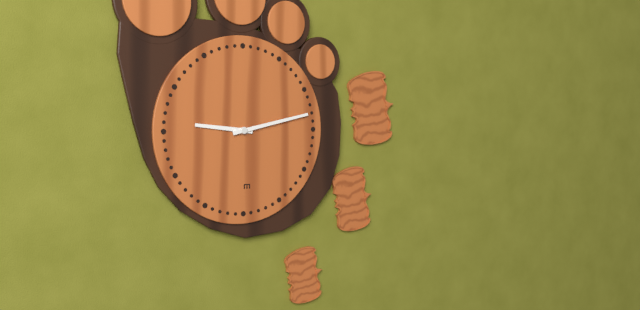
9h13
